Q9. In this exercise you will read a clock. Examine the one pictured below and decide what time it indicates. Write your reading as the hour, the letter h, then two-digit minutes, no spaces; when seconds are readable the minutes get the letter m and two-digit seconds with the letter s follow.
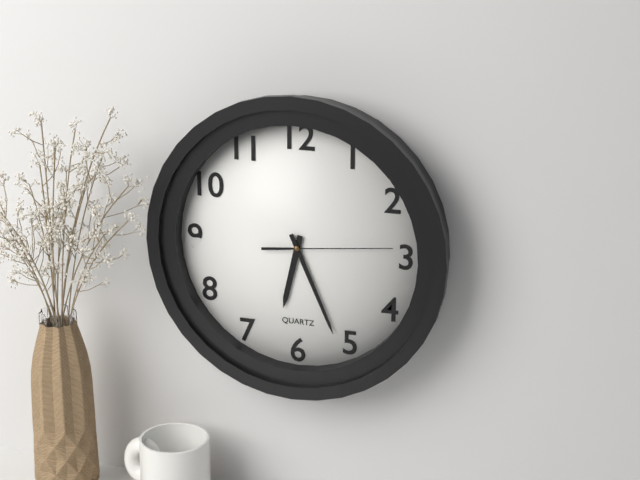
6h26m14s
